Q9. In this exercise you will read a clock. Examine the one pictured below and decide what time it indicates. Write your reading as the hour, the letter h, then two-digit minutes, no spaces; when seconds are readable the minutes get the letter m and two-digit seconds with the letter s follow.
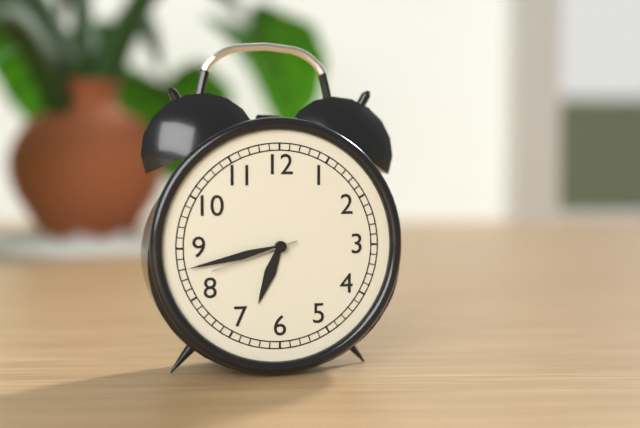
6h43m42s
